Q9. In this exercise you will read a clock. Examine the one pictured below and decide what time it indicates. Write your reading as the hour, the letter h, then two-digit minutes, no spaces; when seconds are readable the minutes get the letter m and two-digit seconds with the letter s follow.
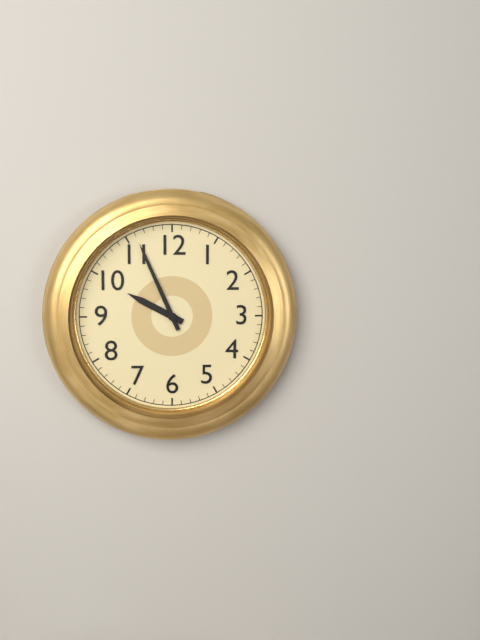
9h56
